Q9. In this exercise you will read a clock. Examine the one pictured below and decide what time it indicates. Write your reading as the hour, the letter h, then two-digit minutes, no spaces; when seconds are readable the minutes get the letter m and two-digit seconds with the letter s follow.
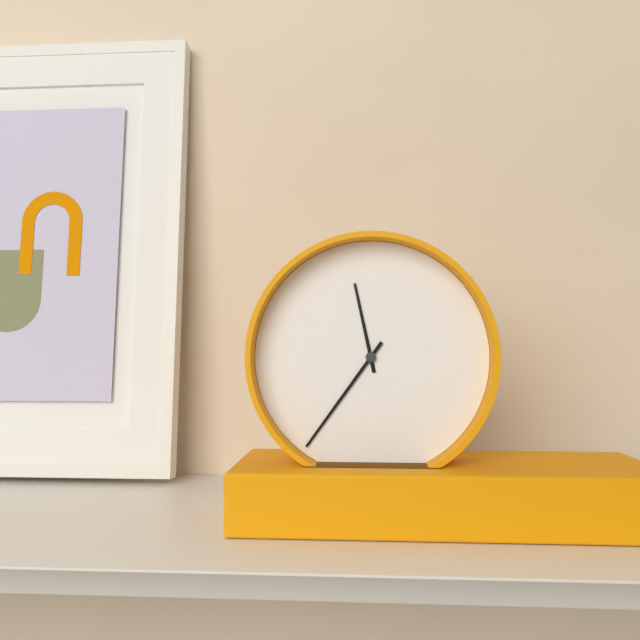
11h36
